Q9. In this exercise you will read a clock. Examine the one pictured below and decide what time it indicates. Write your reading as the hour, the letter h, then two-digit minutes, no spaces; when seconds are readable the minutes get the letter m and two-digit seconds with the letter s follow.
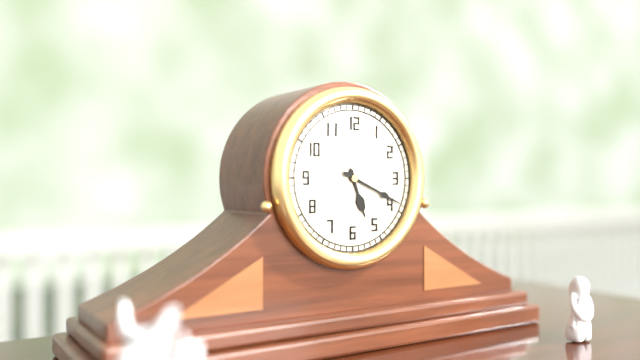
5h19
